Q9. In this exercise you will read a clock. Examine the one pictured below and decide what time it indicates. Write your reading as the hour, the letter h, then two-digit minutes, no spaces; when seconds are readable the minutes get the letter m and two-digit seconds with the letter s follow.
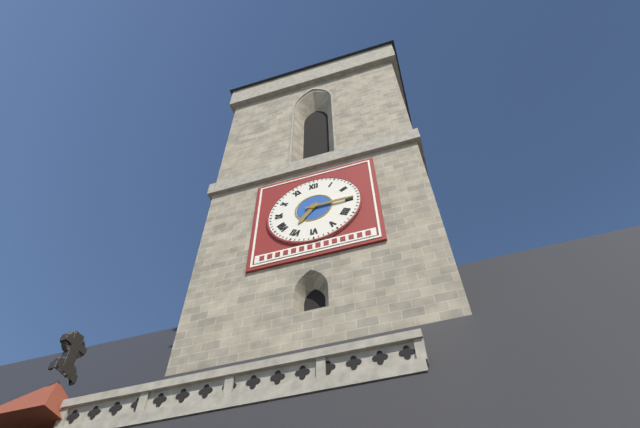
7h15
